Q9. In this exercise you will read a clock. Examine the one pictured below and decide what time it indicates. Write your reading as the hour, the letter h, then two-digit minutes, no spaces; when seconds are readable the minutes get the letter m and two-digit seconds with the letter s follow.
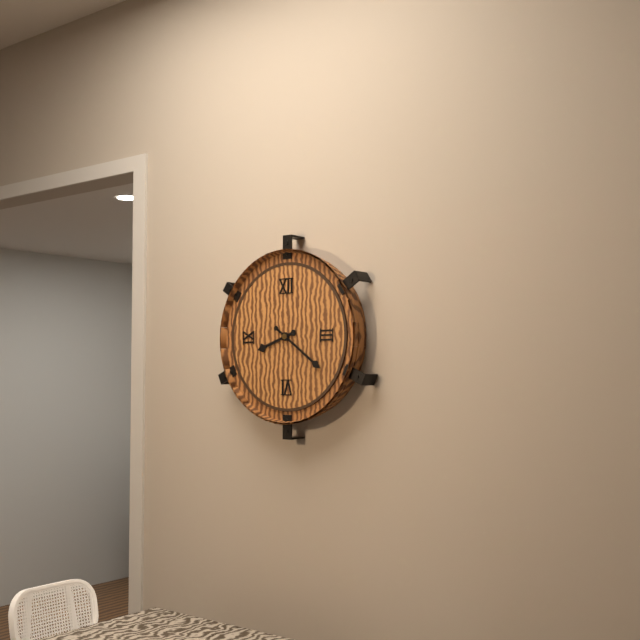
8h21
